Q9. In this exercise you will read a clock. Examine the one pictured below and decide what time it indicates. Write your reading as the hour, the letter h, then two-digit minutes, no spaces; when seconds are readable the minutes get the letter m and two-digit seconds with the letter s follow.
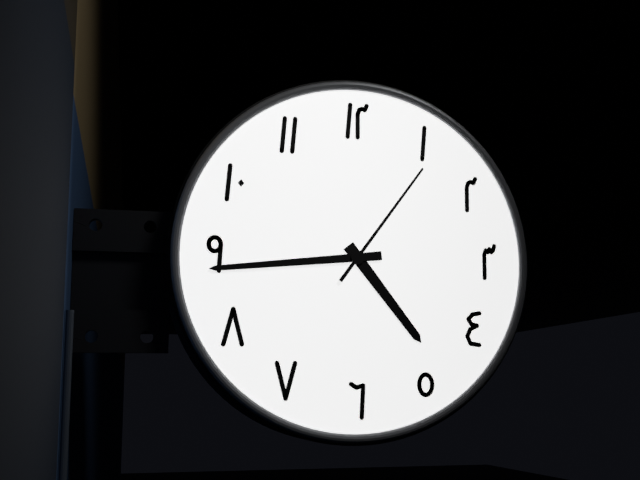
4h44m06s
